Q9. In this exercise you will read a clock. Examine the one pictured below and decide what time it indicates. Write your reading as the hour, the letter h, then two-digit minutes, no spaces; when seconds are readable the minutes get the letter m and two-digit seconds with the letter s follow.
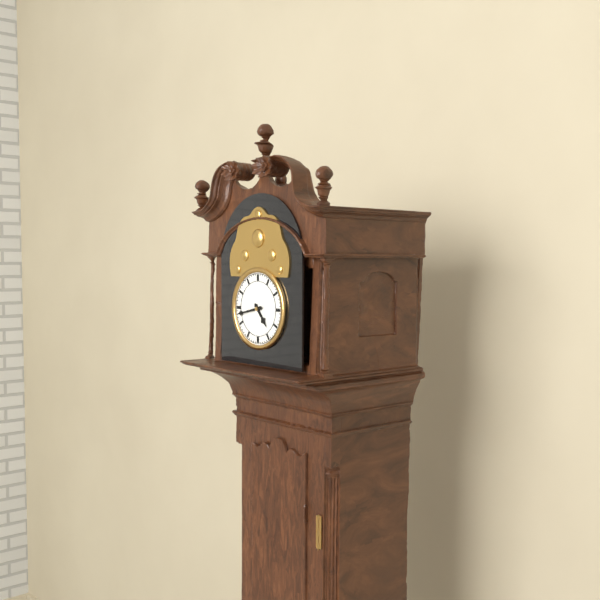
4h43
